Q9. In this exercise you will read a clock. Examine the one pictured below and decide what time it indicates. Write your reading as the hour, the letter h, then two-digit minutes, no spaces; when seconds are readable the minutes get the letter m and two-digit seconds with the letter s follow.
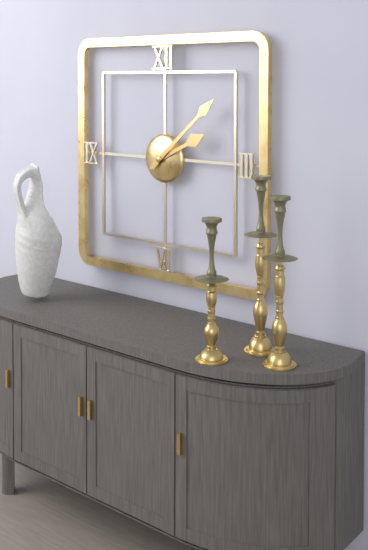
2h08
